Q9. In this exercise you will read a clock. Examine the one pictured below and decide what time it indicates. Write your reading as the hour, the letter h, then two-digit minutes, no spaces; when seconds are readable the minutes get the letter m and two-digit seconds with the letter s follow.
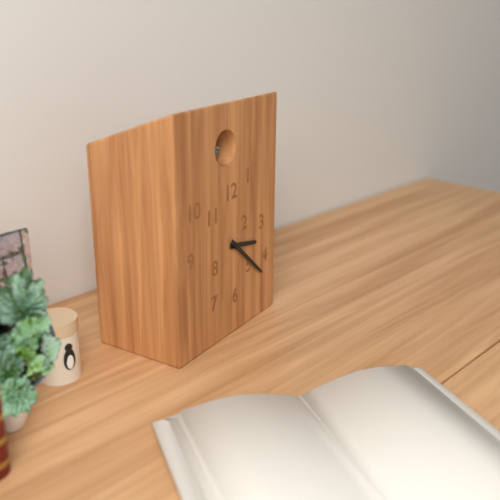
3h22
